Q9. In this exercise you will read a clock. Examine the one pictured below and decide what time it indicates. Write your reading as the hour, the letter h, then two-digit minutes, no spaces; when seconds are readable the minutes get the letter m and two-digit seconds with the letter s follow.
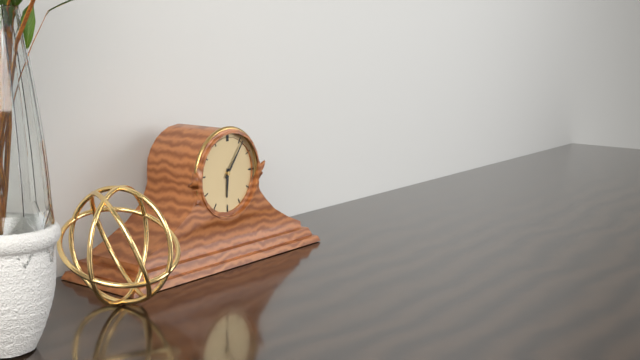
6h06
